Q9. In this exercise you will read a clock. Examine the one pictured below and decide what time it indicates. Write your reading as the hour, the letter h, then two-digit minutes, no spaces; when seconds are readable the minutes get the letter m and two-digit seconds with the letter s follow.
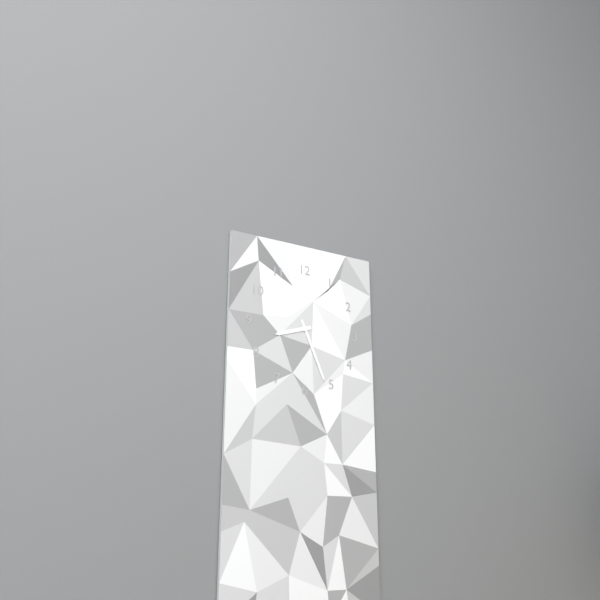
8h26
